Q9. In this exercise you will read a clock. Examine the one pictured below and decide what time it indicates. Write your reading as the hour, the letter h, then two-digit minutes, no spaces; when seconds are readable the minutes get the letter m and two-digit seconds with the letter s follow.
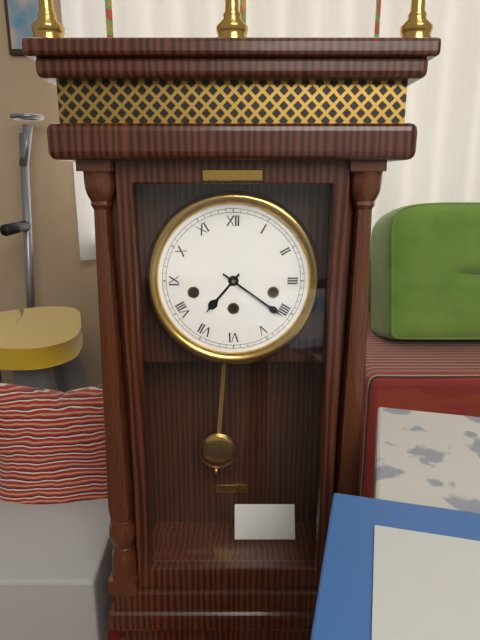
7h21
